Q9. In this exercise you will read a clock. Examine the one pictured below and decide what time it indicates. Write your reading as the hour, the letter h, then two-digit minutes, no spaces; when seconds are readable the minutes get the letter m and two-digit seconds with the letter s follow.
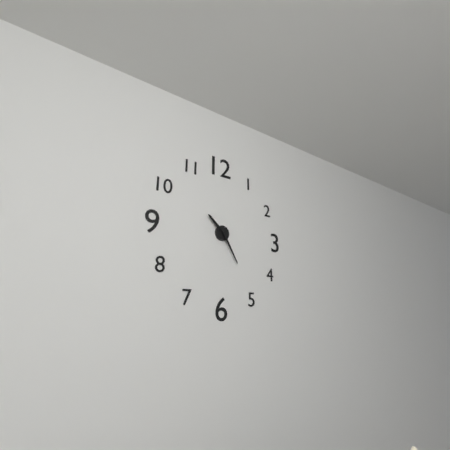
10h25
